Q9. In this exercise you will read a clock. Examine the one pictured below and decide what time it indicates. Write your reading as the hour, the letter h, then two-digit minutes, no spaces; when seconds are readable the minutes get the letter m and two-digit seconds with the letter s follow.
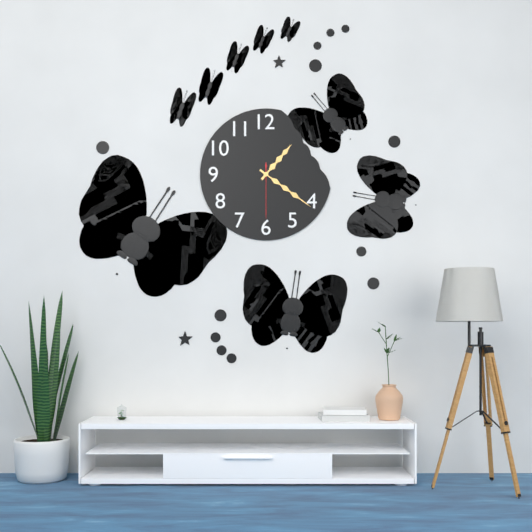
1h21m30s
